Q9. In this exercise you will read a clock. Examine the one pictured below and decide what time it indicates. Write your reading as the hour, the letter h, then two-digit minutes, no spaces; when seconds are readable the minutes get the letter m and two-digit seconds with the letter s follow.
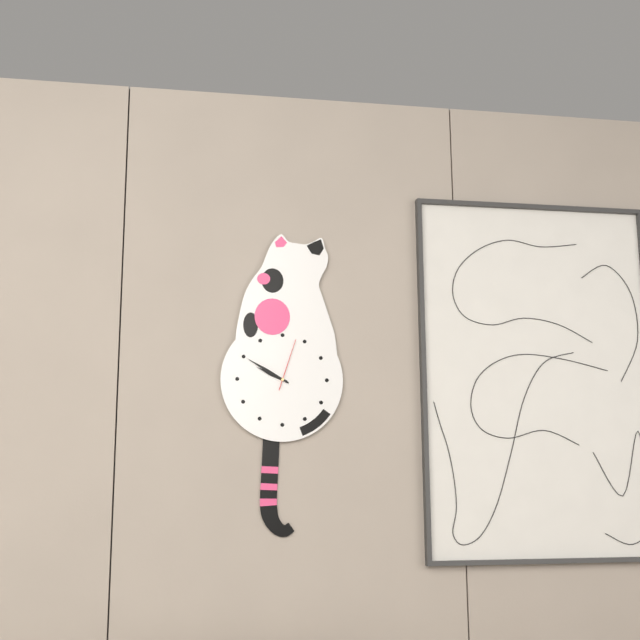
9h50m03s
